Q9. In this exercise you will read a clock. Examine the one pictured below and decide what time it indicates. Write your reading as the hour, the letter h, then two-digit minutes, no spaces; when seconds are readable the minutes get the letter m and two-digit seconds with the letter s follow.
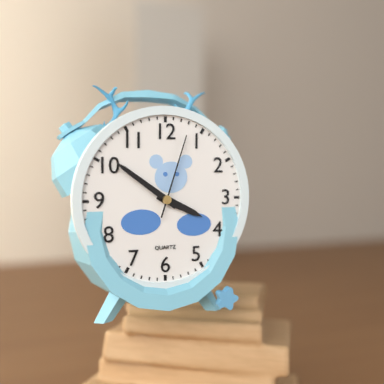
3h51m03s
